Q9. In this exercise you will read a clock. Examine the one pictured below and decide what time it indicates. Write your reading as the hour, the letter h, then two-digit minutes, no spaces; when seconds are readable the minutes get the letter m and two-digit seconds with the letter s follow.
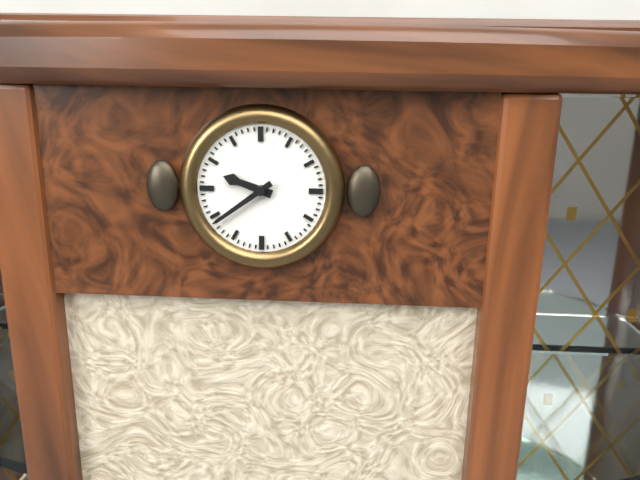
9h39
